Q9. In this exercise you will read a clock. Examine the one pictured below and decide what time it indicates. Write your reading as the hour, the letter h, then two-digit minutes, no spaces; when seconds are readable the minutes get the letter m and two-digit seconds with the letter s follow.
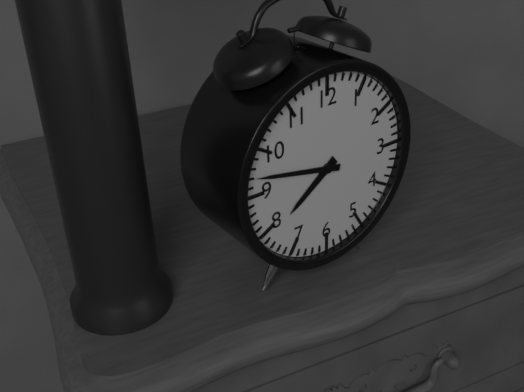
7h47
